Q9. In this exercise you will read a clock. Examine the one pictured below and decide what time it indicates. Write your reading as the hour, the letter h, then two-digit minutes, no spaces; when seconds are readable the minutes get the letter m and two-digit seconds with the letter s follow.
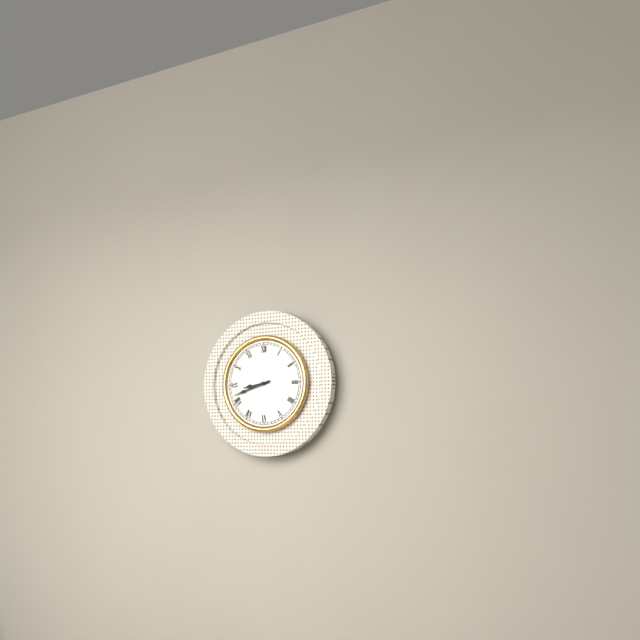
8h42
